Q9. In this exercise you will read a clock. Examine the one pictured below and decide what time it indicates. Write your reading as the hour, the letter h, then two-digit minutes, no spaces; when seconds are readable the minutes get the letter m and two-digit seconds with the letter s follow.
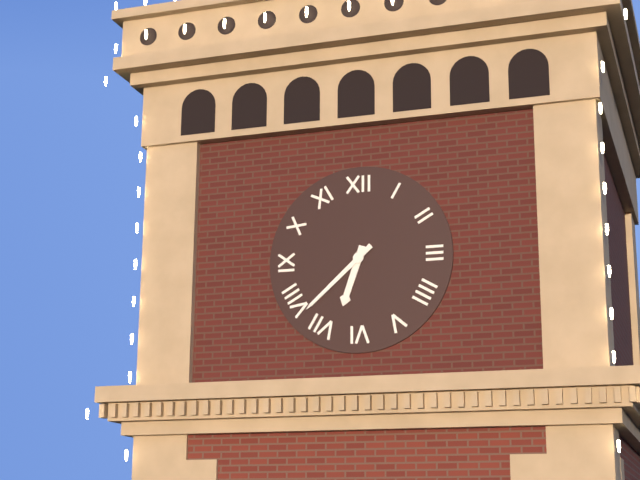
6h38
